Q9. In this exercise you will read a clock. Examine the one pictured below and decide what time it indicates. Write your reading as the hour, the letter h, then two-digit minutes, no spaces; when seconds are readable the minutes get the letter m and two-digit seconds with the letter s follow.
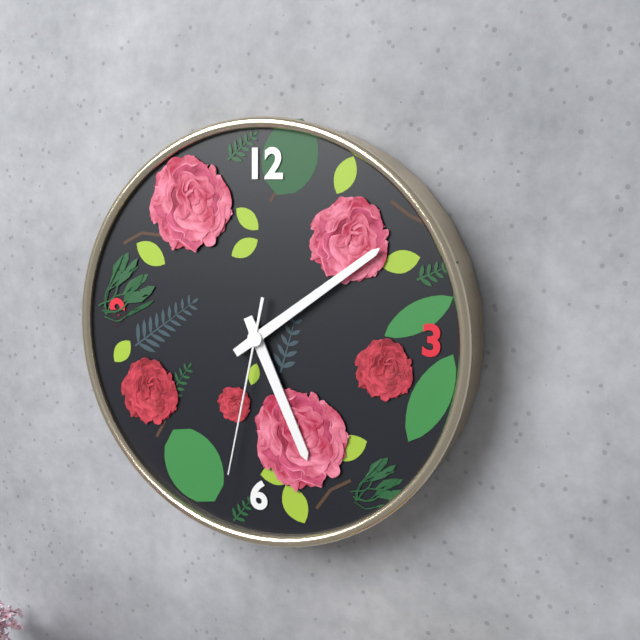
5h09m32s
